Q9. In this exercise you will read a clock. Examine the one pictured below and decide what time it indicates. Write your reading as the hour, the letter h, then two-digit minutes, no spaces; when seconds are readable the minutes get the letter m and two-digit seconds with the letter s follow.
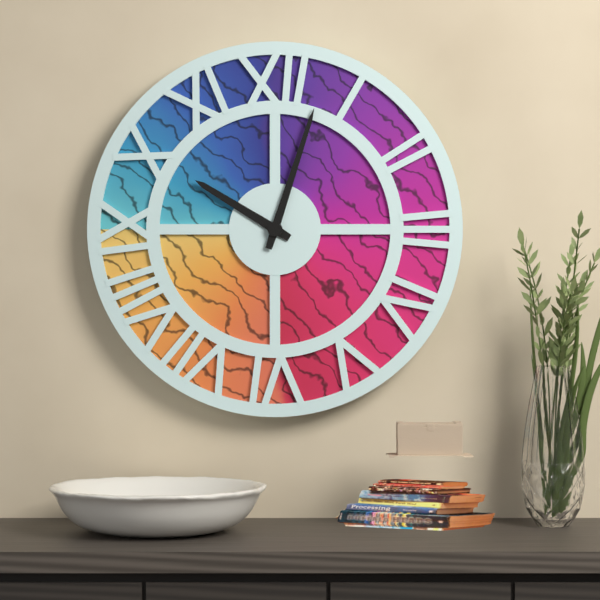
10h03
